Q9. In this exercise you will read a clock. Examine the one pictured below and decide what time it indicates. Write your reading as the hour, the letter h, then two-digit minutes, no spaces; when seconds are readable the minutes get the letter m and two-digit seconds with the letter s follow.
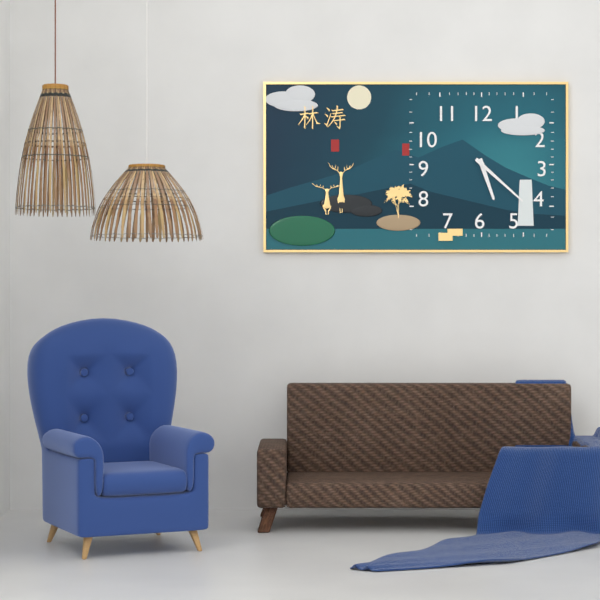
5h22
